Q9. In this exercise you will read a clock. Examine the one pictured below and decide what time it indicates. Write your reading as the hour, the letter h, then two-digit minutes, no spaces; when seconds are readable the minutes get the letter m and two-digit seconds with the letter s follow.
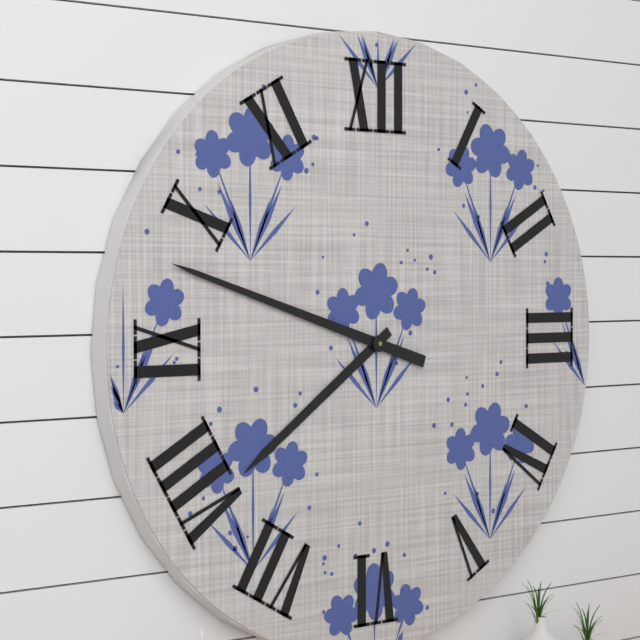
7h48
